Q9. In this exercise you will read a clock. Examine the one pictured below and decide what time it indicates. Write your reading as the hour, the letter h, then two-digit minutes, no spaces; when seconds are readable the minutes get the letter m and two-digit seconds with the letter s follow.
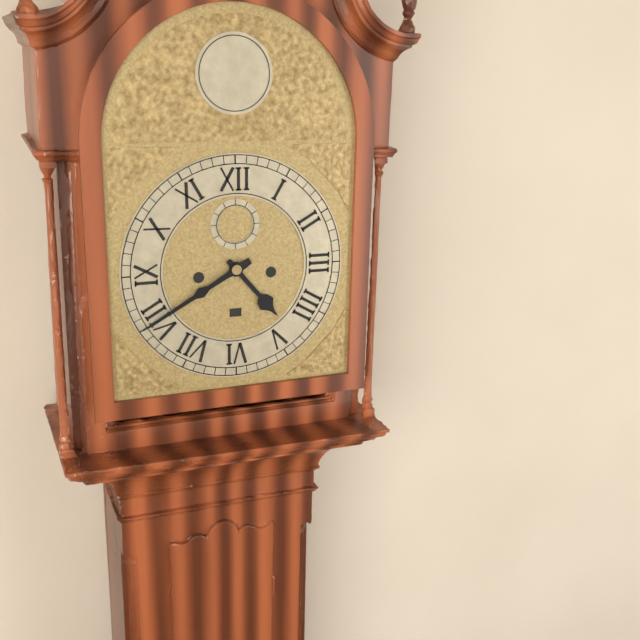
4h40
